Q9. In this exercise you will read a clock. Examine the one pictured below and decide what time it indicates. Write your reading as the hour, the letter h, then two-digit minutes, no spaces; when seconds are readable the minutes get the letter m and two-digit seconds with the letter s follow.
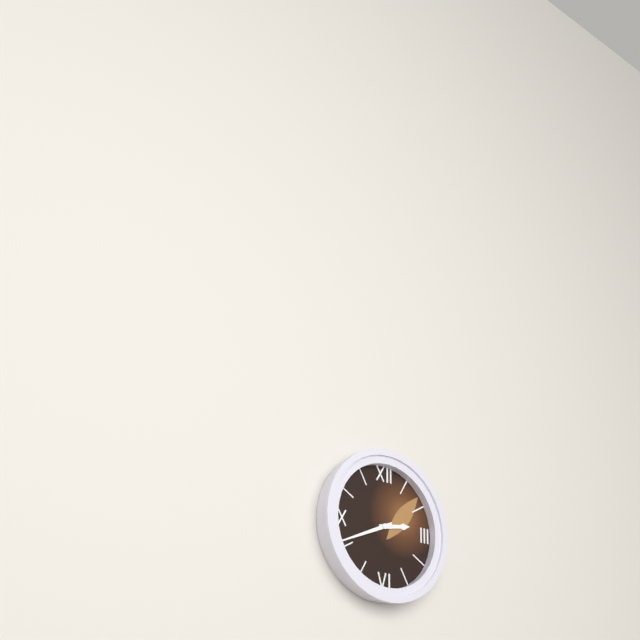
2h41
